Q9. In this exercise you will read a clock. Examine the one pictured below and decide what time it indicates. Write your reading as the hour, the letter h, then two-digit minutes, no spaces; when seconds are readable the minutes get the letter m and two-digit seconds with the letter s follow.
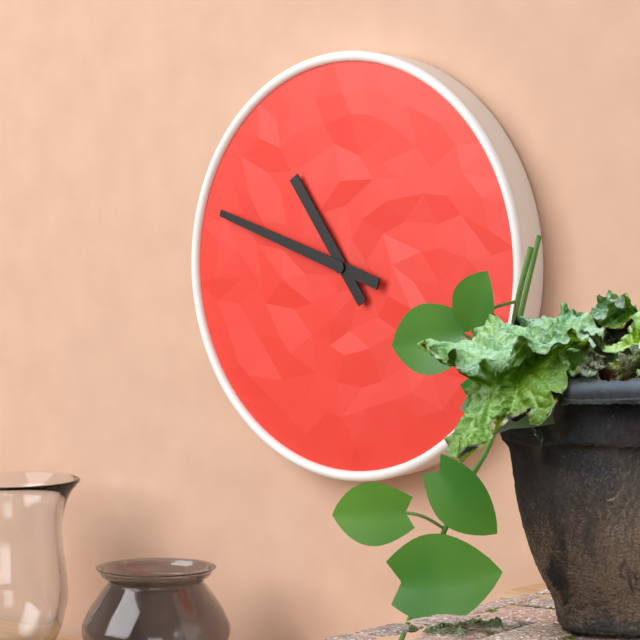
10h48
